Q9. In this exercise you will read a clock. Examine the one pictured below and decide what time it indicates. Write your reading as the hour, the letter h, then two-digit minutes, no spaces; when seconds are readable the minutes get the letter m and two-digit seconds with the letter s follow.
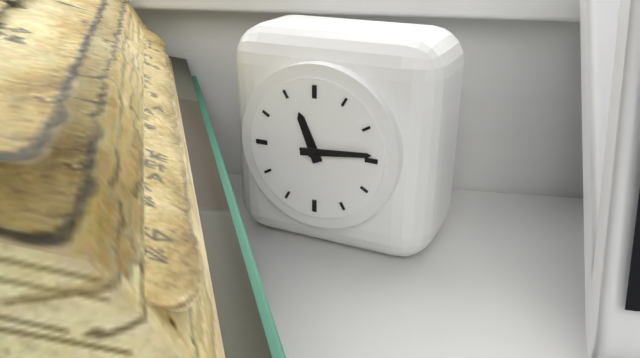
11h14
